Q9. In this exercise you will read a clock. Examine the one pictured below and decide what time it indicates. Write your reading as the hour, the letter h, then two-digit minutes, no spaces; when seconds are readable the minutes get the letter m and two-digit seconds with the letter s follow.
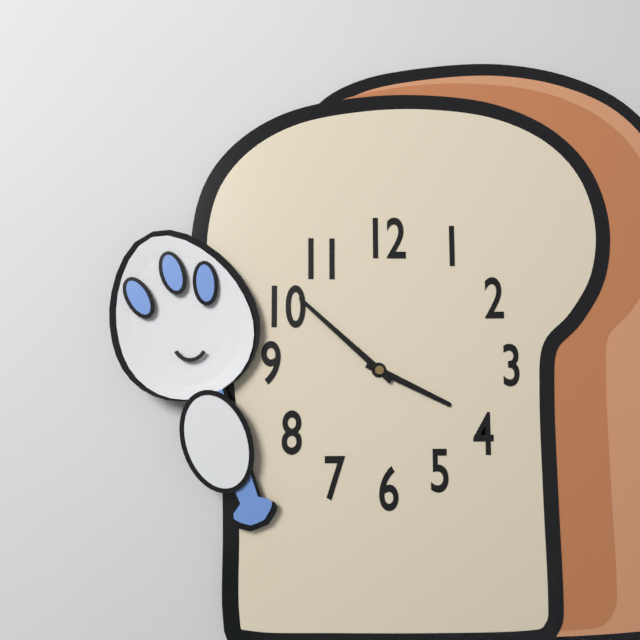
3h52
